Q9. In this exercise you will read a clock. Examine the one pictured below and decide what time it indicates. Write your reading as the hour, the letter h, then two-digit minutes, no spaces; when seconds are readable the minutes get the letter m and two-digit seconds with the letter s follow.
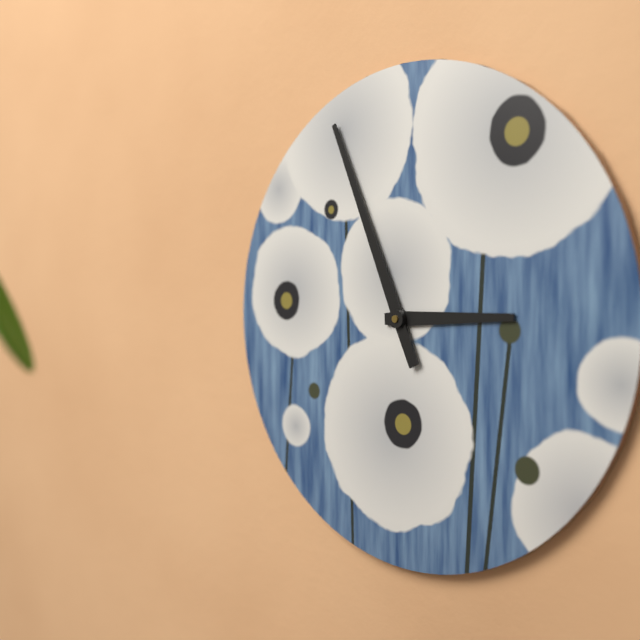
2h56
